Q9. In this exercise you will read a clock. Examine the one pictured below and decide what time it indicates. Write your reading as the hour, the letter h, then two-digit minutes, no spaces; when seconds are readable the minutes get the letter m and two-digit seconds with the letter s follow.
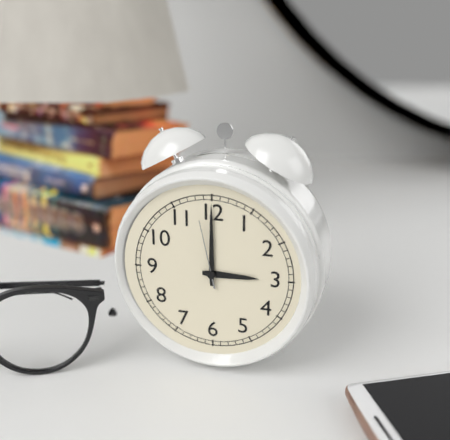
3h00m58s
